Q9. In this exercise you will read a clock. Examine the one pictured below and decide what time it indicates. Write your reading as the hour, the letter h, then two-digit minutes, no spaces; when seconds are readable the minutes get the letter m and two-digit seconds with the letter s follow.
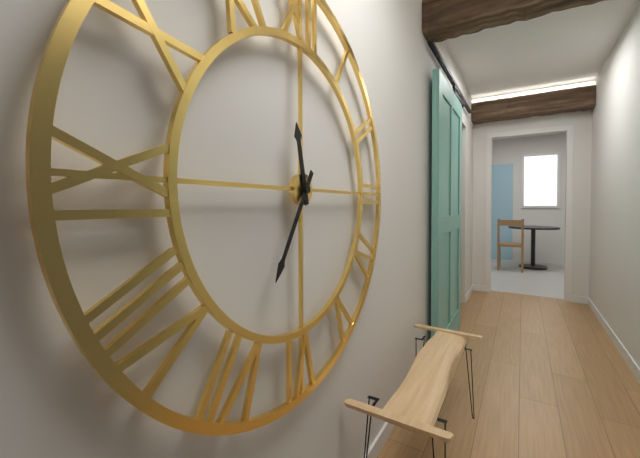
11h35
